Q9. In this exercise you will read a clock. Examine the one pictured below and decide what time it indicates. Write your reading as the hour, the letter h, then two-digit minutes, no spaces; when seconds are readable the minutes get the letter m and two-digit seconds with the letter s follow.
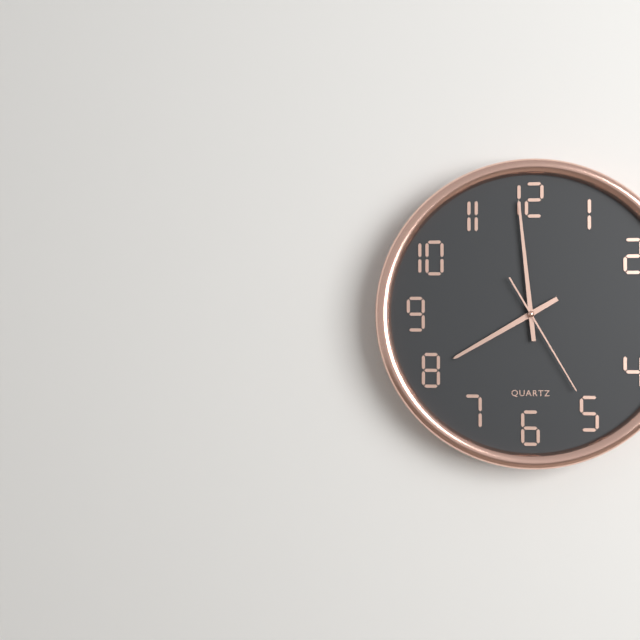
7h59m25s
